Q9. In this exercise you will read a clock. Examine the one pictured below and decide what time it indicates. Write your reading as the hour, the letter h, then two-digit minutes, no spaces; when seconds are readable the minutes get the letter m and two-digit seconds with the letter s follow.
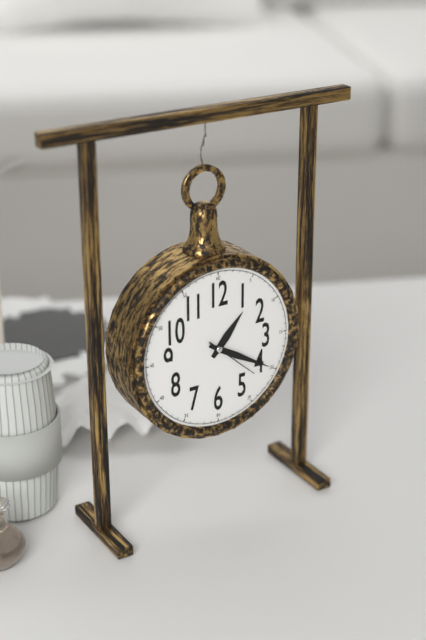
1h20m22s
